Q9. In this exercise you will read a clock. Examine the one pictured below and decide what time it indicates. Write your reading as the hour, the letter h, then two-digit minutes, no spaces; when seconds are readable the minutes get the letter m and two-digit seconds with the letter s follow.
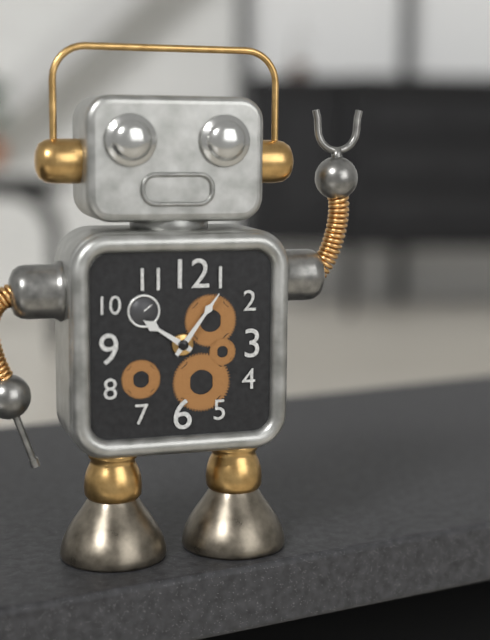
10h06
